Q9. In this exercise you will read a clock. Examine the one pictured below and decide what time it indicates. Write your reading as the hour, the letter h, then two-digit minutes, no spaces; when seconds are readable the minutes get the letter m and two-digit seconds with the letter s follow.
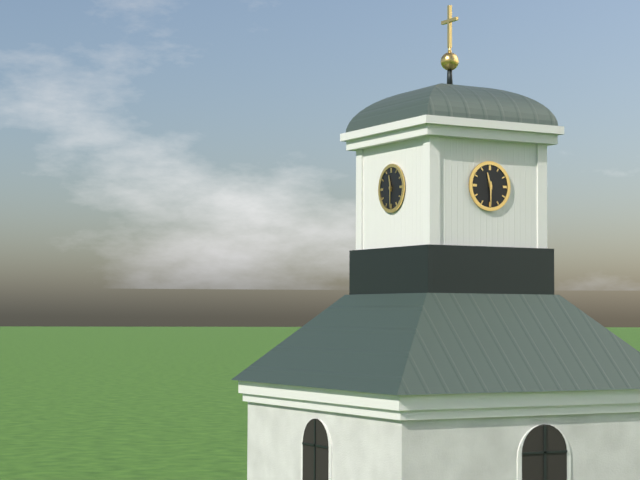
11h30
